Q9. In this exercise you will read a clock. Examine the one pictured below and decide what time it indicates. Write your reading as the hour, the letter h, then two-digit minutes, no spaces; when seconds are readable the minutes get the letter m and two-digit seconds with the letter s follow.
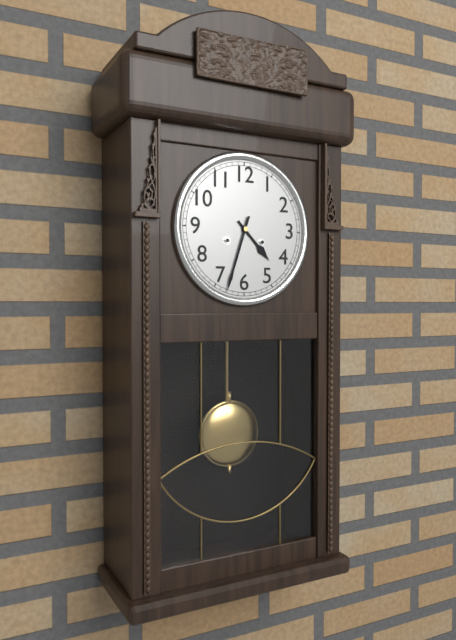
4h33
